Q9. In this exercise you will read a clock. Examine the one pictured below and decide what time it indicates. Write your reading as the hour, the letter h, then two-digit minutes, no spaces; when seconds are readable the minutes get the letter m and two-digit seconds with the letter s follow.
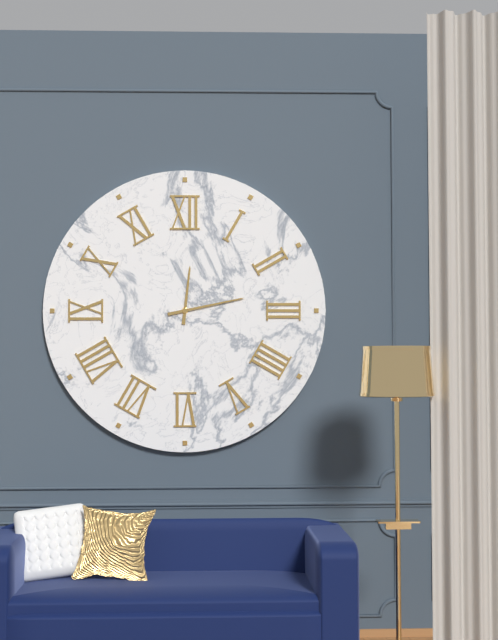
12h13
